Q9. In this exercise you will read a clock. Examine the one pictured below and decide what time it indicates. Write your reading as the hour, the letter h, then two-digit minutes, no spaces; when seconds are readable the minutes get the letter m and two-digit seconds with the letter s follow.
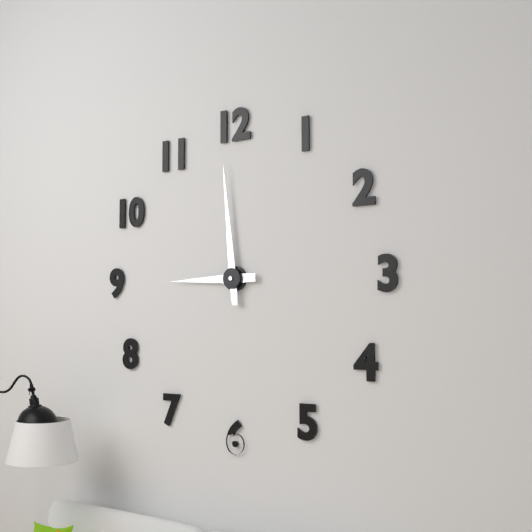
8h59
